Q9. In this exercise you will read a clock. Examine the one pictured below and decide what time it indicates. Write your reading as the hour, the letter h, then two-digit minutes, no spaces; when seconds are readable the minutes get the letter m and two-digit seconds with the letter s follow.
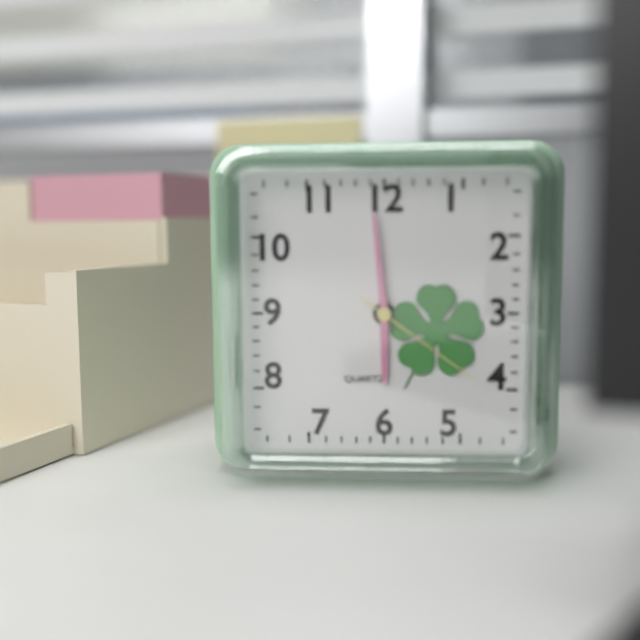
5h59m21s
